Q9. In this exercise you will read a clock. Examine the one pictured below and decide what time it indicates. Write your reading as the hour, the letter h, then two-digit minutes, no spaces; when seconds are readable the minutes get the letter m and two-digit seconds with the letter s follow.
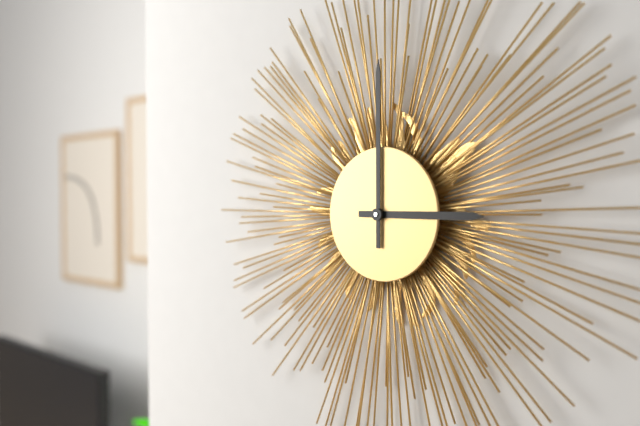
3h00
